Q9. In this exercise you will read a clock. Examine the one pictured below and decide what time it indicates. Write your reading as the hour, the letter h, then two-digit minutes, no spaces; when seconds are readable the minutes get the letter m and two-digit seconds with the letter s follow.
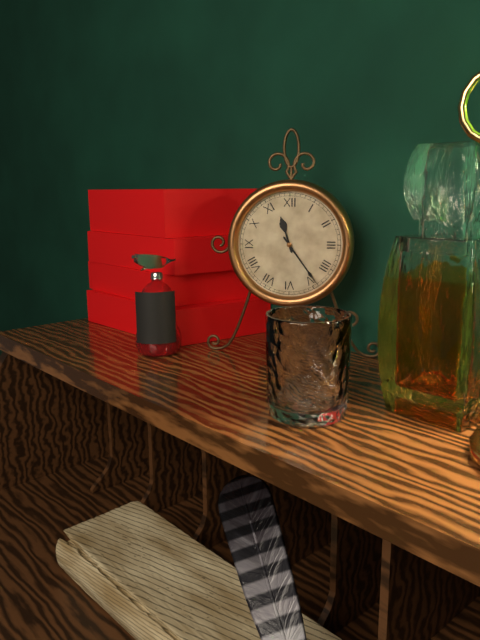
11h24
